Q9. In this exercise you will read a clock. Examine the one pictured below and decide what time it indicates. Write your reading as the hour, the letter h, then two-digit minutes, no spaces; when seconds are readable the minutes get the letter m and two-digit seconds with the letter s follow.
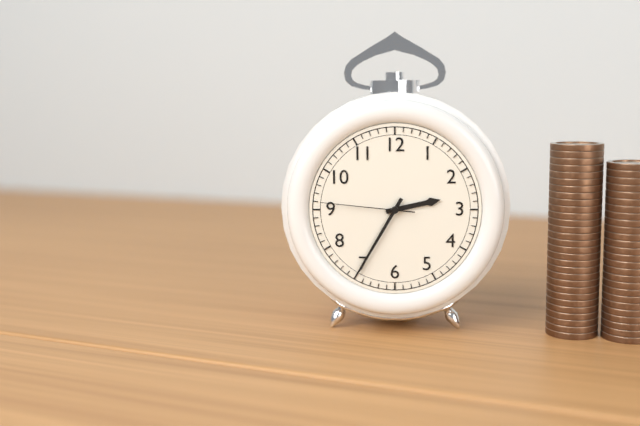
2h35m46s
